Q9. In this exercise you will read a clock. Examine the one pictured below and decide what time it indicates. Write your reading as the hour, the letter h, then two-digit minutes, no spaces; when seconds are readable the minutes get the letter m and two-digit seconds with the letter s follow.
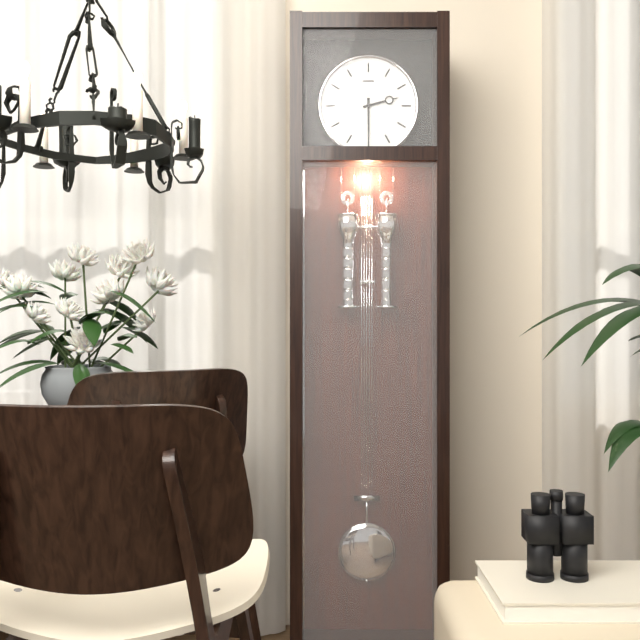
2h30
